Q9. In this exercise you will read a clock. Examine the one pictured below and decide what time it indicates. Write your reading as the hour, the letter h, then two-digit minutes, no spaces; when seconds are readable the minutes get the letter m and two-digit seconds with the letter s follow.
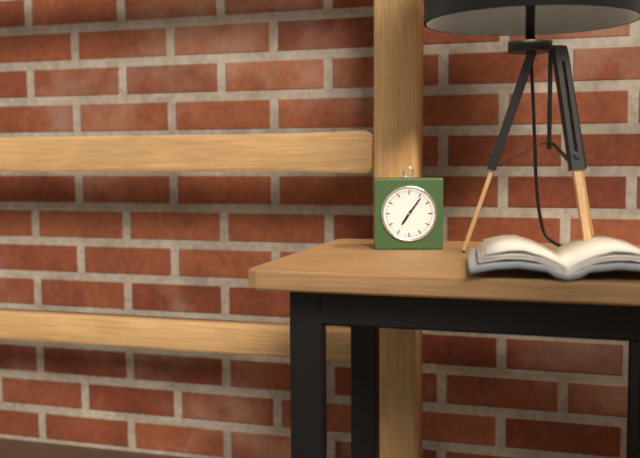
7h06
